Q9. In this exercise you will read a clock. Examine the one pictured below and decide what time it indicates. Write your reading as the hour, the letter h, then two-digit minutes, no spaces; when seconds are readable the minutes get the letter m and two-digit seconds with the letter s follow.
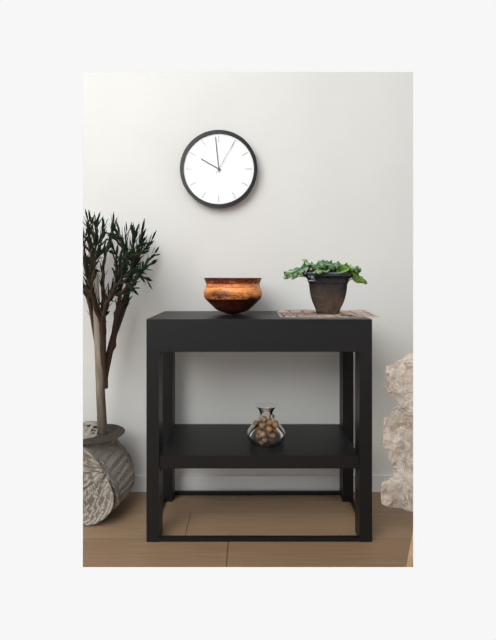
9h59
